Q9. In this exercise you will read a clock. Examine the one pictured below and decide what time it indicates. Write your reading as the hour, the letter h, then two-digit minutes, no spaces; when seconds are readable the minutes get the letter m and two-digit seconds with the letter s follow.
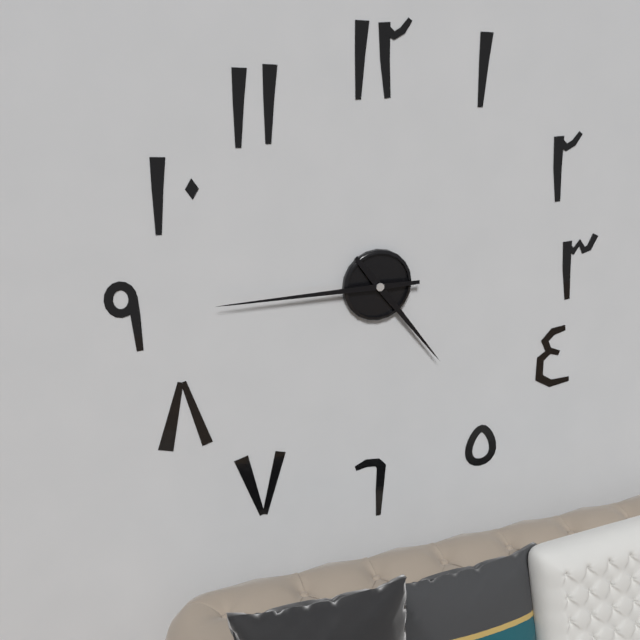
4h45
